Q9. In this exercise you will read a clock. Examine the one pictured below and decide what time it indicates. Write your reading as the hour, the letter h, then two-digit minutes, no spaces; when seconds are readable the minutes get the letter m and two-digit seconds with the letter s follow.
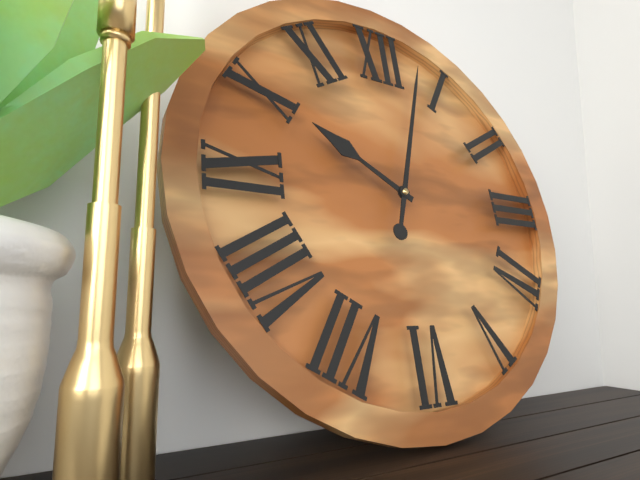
10h03
